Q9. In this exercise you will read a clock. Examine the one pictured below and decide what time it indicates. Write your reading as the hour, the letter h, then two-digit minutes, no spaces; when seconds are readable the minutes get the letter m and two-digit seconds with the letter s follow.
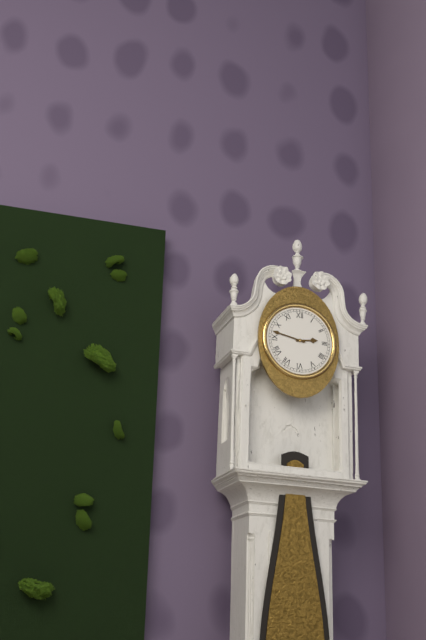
2h47
